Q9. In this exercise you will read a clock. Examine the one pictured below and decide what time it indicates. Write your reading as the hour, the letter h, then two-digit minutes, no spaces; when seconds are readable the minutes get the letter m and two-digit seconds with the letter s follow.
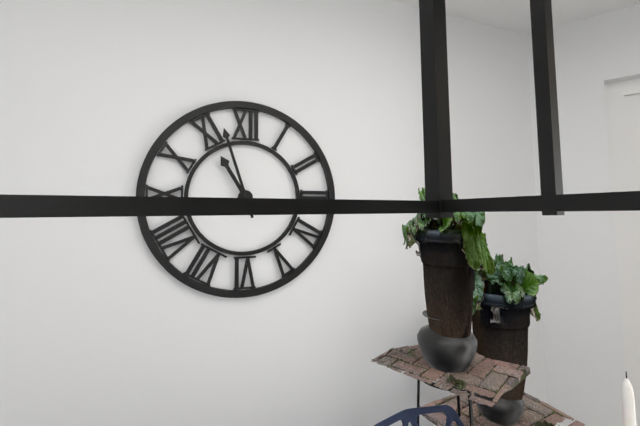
10h57
